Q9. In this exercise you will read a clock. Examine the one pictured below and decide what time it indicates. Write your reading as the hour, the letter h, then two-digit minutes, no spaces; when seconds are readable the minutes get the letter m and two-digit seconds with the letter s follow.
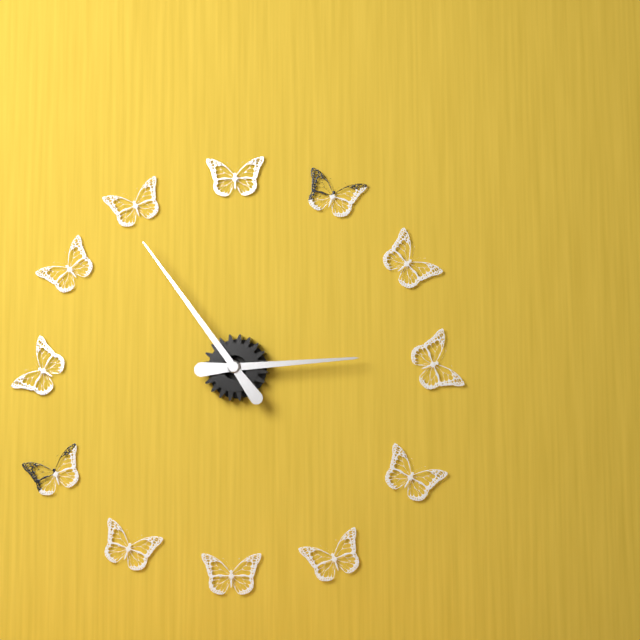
2h54
